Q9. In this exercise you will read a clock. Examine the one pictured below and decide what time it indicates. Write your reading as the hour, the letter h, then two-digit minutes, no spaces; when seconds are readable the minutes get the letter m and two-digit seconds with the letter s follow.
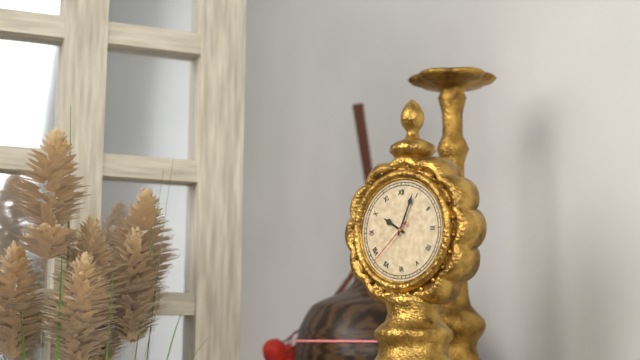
10h04m38s
